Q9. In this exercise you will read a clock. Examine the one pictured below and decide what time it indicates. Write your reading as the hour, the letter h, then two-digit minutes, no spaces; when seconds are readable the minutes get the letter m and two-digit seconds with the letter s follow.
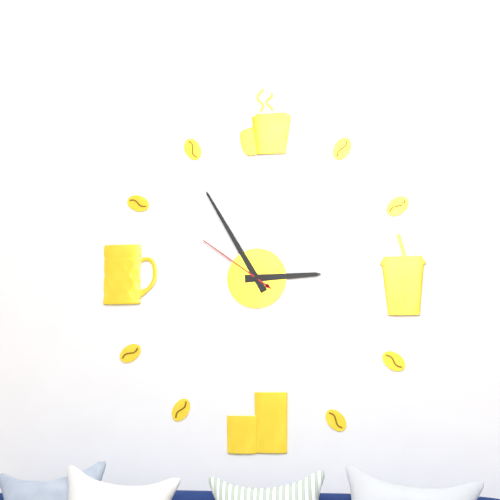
2h55m51s
